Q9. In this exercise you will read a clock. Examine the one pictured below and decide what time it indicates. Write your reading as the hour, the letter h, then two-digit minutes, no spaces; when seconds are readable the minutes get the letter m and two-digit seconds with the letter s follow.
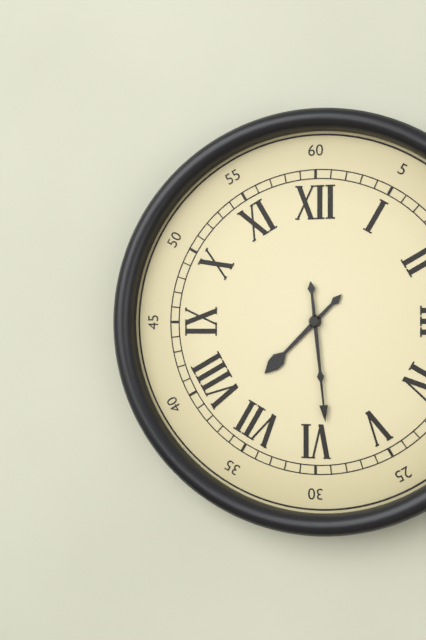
7h29
